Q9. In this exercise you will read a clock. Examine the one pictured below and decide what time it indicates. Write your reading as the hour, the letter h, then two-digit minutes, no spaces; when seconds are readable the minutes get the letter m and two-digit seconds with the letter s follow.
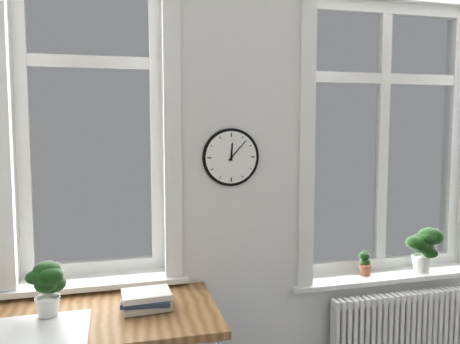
12h07
